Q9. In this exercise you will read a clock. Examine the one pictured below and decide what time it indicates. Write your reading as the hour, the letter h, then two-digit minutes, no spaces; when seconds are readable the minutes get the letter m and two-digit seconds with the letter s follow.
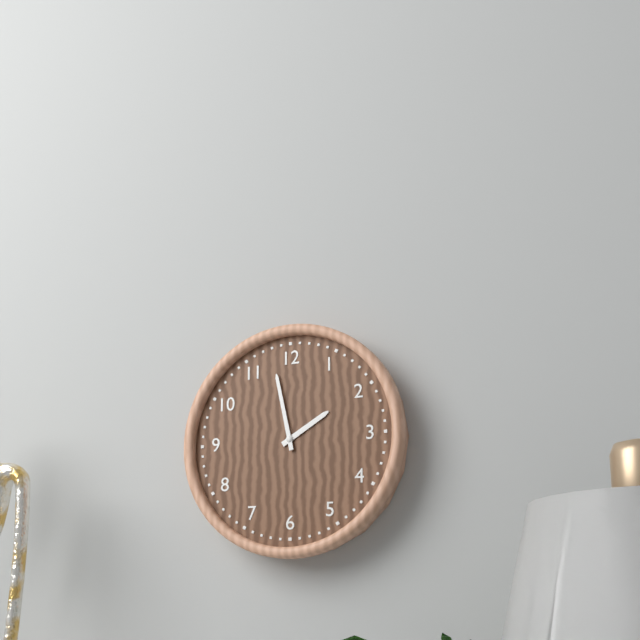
1h58
